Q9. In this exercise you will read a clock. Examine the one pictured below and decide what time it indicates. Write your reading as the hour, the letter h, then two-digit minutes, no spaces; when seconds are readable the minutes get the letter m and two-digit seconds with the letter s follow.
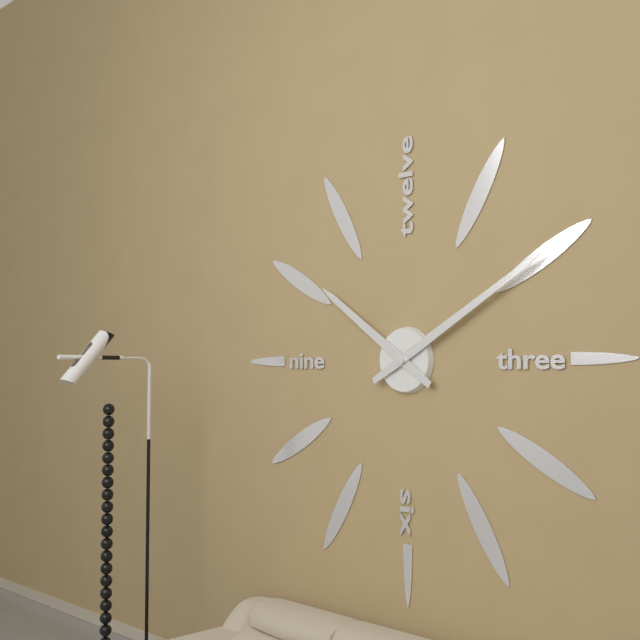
10h10
